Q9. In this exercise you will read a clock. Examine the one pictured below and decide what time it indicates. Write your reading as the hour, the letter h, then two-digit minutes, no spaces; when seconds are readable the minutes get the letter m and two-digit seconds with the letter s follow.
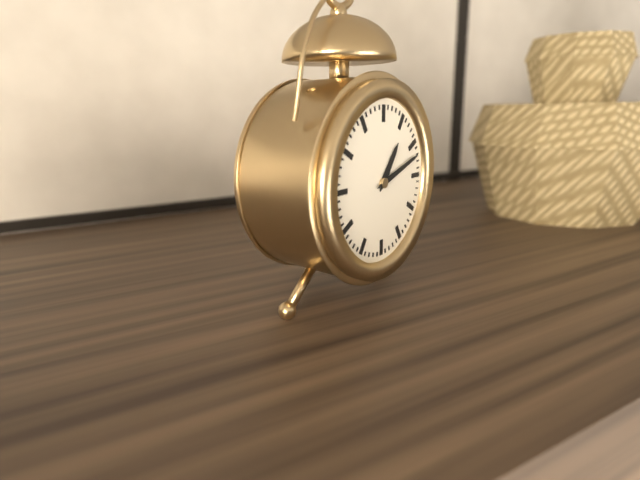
1h12
